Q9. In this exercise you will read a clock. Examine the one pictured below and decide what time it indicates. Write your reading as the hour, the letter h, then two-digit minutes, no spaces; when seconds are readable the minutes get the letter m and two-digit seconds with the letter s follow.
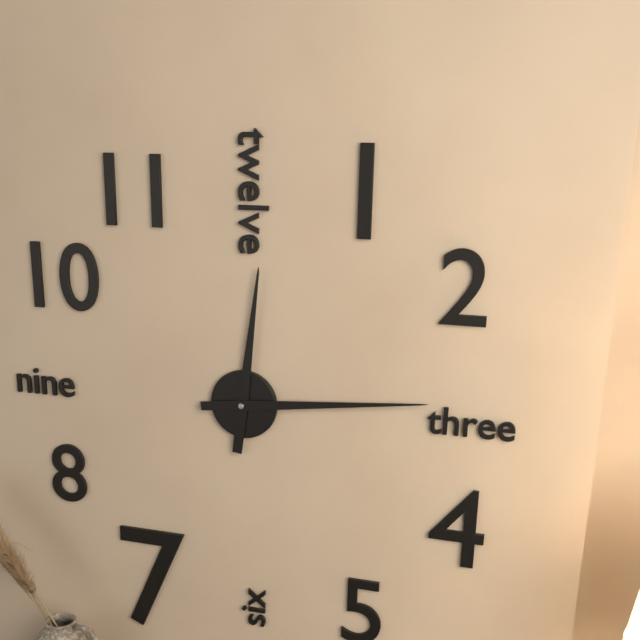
12h14
